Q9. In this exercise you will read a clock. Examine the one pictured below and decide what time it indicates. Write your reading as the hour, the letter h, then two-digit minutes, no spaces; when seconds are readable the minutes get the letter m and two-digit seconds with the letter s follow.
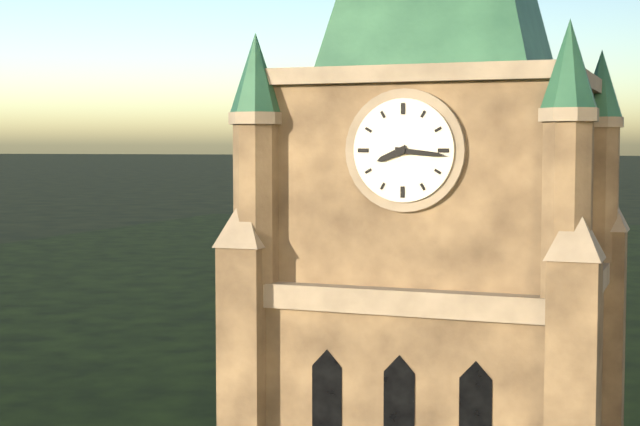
8h16
